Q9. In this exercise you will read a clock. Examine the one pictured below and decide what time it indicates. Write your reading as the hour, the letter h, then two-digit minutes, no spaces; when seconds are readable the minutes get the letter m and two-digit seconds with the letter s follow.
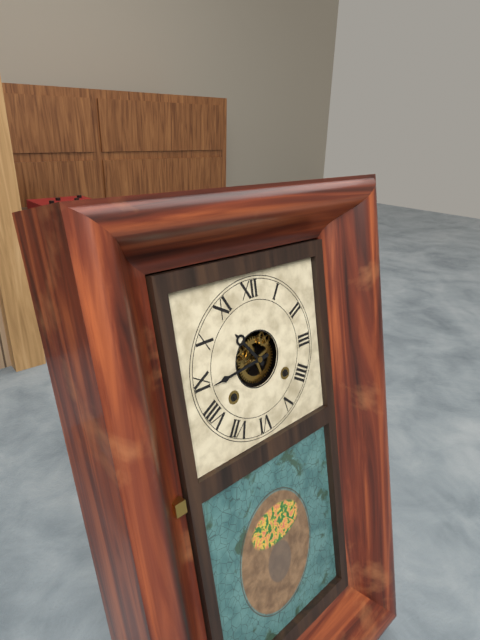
10h44
